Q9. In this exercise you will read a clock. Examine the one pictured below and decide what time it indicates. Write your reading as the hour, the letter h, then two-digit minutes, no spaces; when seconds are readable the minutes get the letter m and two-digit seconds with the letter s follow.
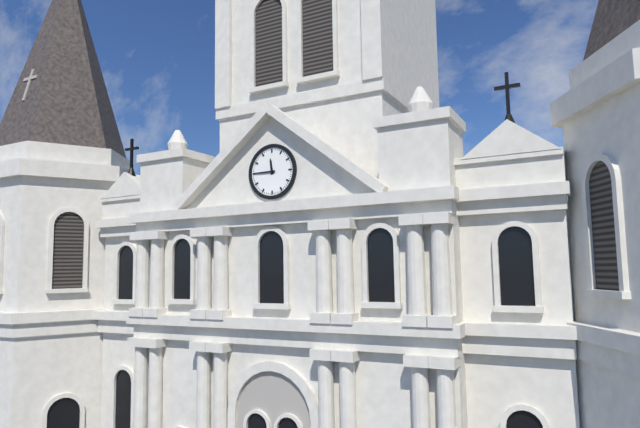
11h45
